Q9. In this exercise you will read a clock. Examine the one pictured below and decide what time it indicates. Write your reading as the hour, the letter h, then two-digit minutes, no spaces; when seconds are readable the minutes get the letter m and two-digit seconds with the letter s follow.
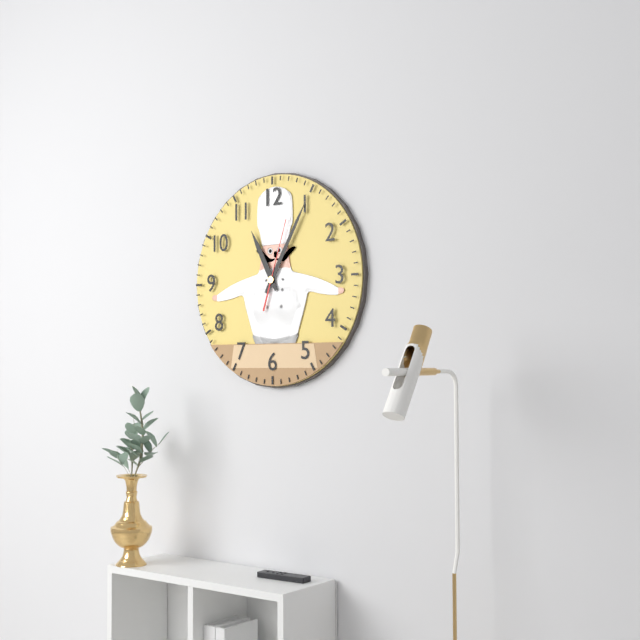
11h05m03s
